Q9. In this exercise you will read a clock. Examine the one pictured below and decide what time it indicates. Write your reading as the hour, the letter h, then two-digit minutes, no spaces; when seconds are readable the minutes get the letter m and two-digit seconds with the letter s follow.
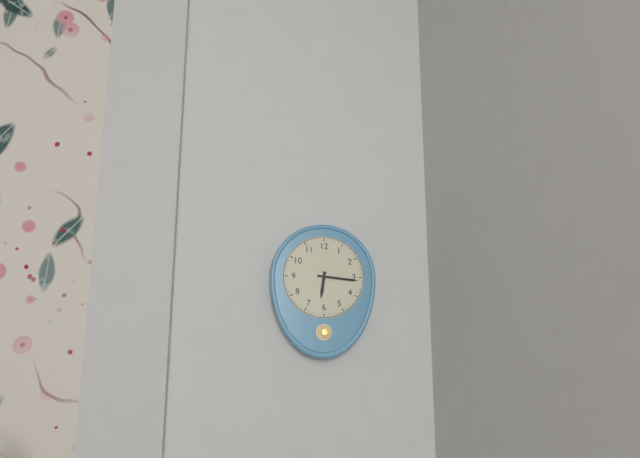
6h16
